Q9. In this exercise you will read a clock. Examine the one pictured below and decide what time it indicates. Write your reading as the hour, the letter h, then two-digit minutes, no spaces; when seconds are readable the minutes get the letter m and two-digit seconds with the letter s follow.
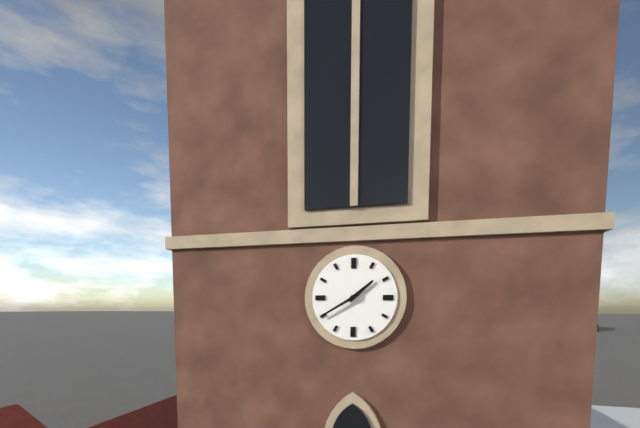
1h40
